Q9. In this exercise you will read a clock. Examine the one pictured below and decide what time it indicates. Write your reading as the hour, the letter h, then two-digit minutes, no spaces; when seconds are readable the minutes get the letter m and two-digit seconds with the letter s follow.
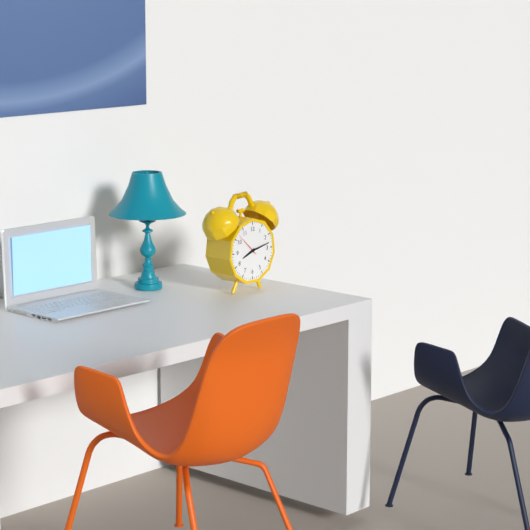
8h13
